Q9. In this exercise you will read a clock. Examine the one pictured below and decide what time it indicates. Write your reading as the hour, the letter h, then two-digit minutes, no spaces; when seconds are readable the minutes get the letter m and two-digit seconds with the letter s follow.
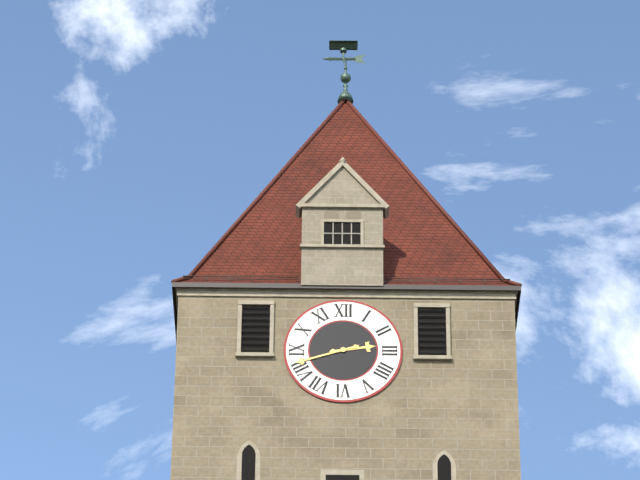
2h42
